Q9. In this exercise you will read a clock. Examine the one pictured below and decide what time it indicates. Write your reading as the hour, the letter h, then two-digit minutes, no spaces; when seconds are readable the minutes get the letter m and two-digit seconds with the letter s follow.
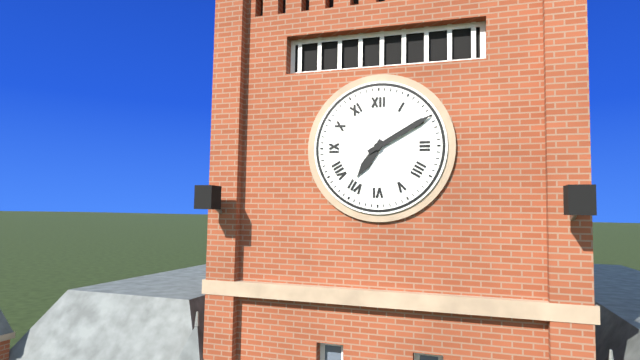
7h10
